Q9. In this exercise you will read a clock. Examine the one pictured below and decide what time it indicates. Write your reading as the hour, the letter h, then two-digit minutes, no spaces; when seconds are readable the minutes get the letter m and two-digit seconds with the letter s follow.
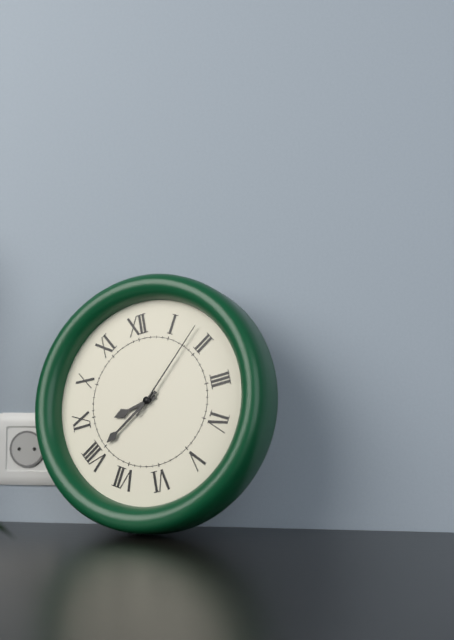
8h40m08s
